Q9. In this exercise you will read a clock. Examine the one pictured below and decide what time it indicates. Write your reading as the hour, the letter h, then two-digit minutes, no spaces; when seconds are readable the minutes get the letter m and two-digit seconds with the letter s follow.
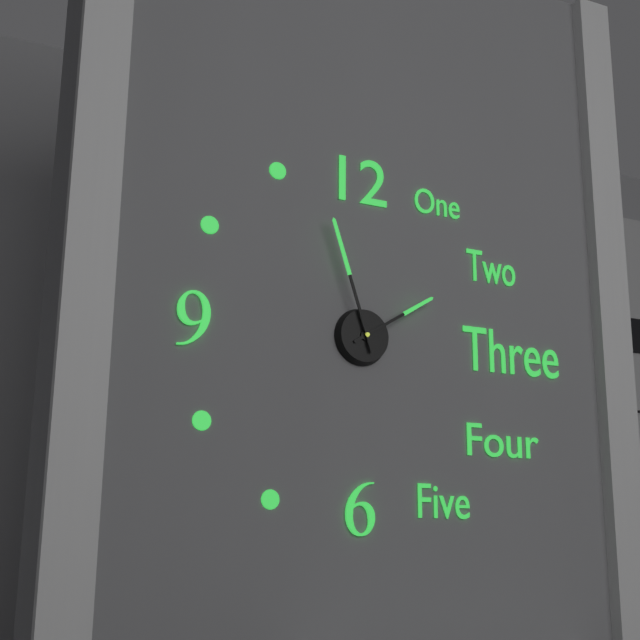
1h57
